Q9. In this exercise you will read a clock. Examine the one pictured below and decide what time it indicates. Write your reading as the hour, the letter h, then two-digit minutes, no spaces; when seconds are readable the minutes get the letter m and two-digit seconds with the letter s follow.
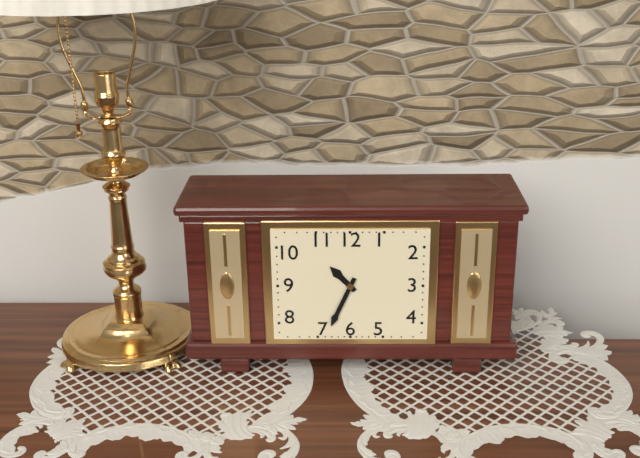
10h34
